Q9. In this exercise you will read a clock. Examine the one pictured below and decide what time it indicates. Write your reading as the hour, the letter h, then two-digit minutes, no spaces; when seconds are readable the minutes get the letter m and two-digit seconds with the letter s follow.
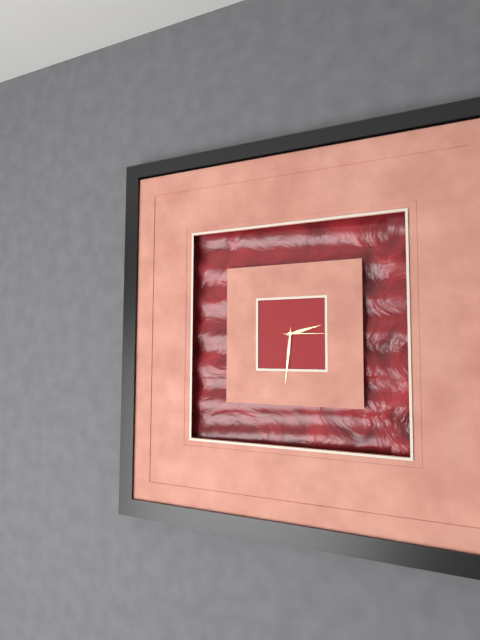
2h31m15s
